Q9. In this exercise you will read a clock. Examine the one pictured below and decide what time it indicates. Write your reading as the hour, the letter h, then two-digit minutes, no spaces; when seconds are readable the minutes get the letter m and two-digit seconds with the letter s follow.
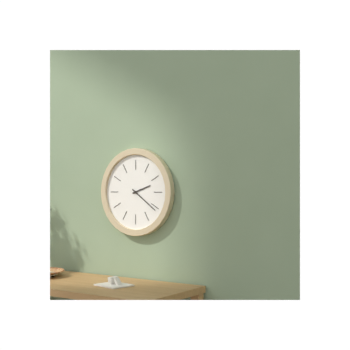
2h21
